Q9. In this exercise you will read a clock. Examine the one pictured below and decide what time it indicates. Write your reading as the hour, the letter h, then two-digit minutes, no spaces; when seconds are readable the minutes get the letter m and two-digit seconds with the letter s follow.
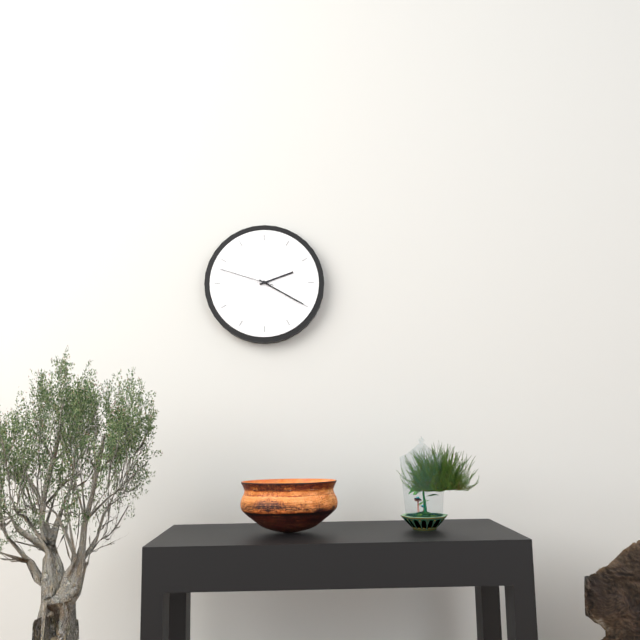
2h20m48s
